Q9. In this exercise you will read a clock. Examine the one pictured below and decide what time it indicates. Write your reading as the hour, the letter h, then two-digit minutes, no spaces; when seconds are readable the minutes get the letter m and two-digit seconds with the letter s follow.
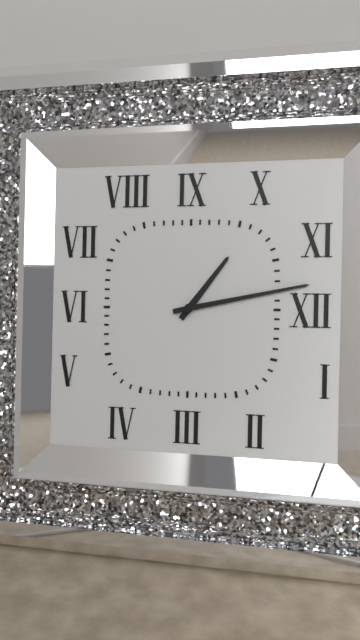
1h13
